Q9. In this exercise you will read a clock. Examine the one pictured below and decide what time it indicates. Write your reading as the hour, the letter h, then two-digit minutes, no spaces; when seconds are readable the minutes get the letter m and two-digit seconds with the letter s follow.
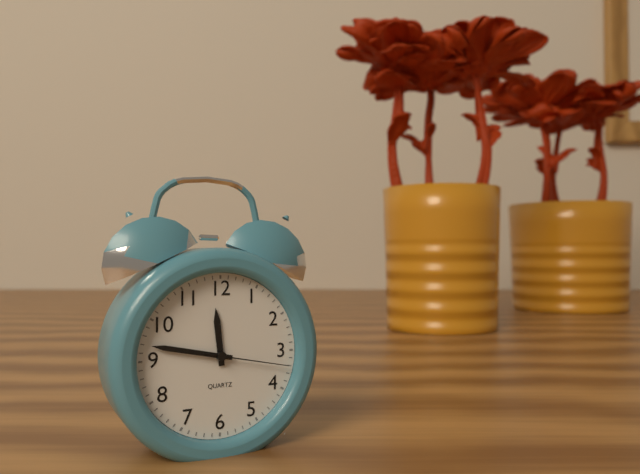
11h47m17s
